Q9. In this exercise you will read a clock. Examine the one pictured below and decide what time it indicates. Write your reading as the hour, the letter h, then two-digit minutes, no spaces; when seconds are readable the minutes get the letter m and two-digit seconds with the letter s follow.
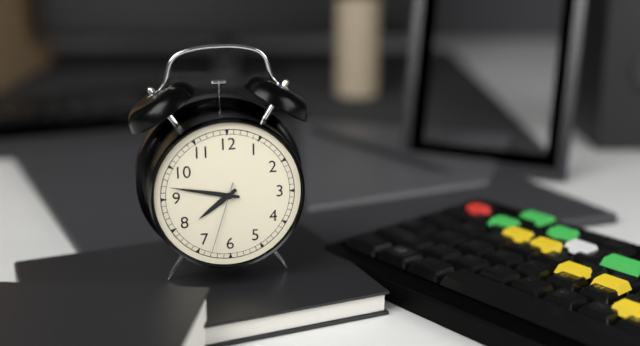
7h47m33s
